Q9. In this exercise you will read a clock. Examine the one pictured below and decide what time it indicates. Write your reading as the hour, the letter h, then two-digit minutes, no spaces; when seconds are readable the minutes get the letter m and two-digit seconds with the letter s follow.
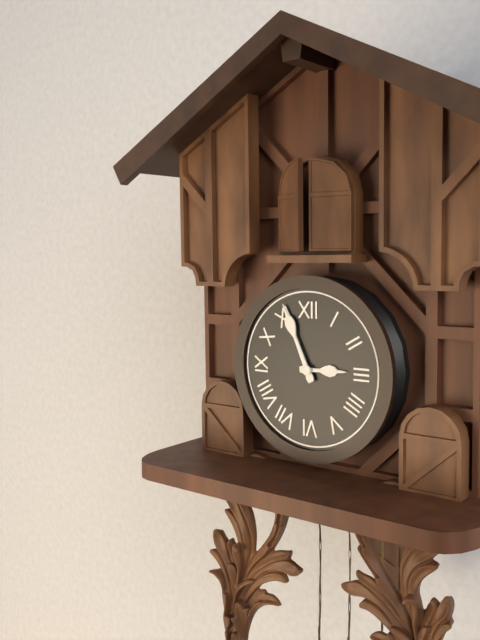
2h56
